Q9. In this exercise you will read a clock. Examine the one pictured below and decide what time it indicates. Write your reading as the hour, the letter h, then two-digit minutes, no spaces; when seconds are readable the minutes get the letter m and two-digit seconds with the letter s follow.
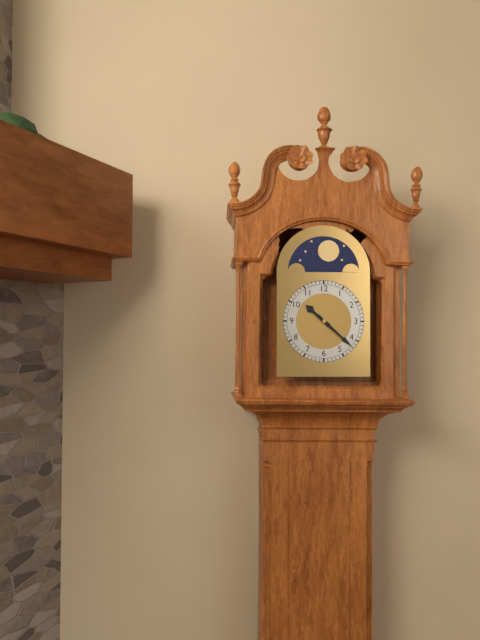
10h22
